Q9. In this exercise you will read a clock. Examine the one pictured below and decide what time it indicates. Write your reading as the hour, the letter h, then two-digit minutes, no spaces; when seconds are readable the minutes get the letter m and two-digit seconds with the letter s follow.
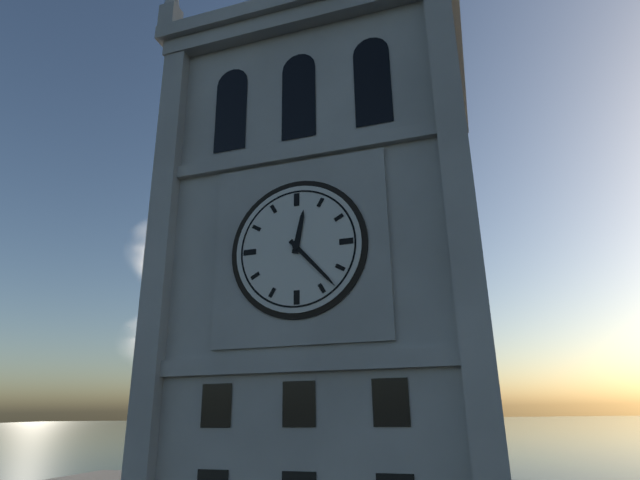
12h23
